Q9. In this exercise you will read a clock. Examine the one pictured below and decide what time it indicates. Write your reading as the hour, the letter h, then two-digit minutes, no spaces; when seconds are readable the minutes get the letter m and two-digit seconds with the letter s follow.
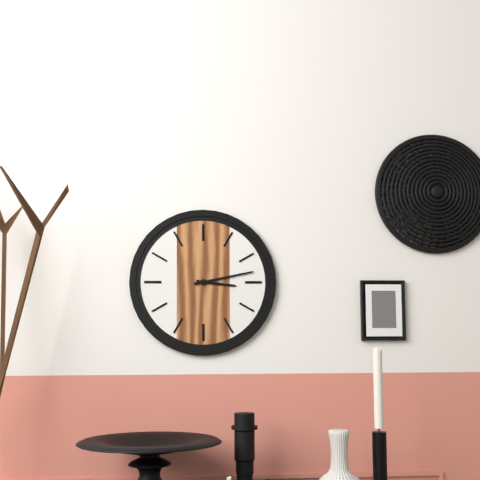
3h13
